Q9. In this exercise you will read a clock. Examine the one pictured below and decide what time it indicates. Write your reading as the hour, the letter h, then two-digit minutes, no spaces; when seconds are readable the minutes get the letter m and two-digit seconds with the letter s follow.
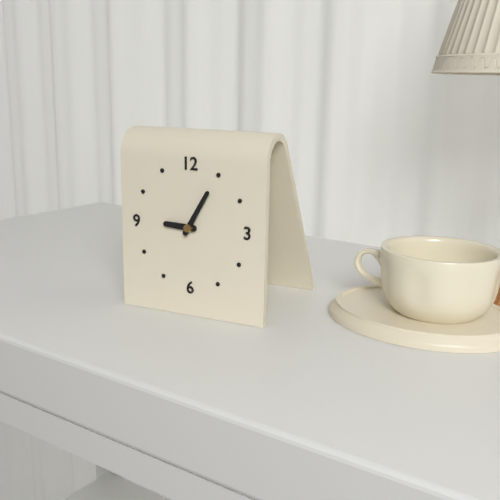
9h05
